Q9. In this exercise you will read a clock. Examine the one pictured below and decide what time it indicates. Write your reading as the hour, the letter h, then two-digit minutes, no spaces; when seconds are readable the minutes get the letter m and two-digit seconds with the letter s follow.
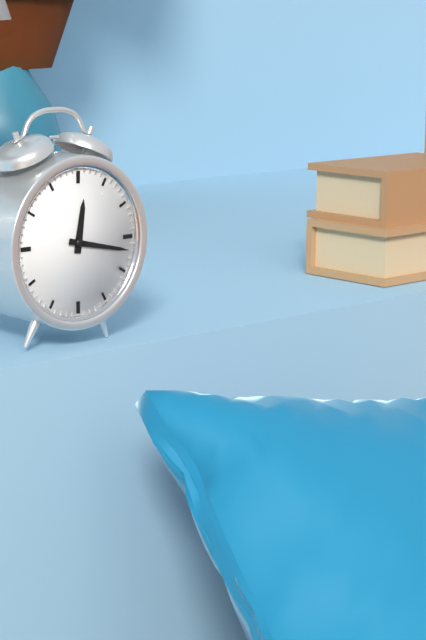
12h17
